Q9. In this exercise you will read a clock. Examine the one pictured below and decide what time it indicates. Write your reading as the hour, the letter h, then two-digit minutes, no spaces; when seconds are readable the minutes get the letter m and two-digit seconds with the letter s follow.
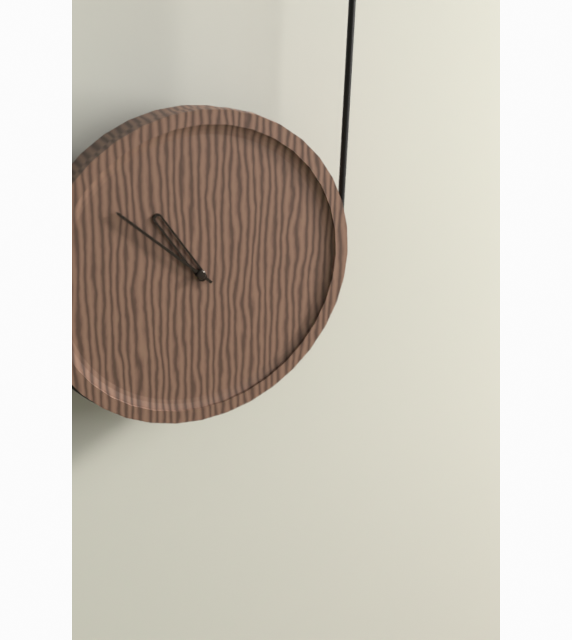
10h52
